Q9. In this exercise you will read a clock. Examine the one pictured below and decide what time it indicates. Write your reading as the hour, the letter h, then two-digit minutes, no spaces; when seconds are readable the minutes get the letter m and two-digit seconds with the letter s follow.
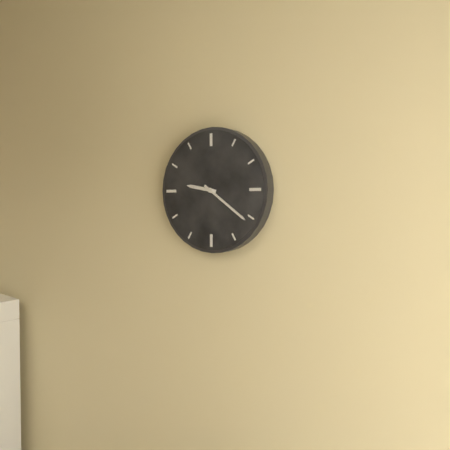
9h21
